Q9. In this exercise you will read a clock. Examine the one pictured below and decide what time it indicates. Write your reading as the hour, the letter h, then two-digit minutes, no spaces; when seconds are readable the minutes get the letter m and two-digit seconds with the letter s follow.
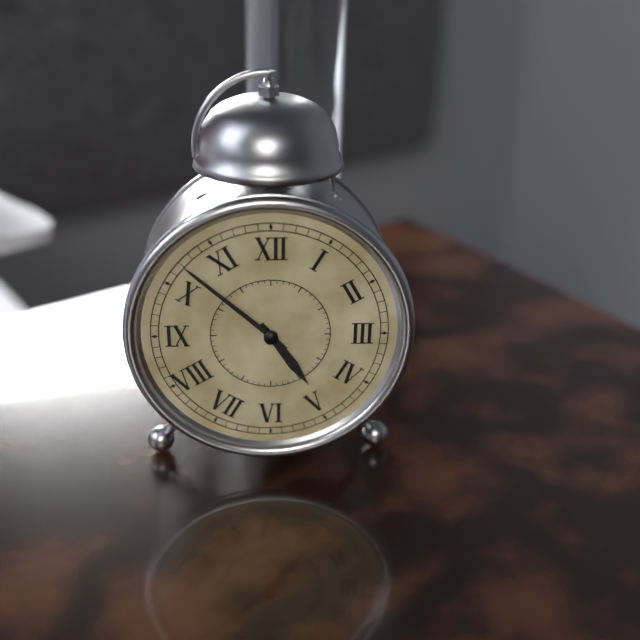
4h52
